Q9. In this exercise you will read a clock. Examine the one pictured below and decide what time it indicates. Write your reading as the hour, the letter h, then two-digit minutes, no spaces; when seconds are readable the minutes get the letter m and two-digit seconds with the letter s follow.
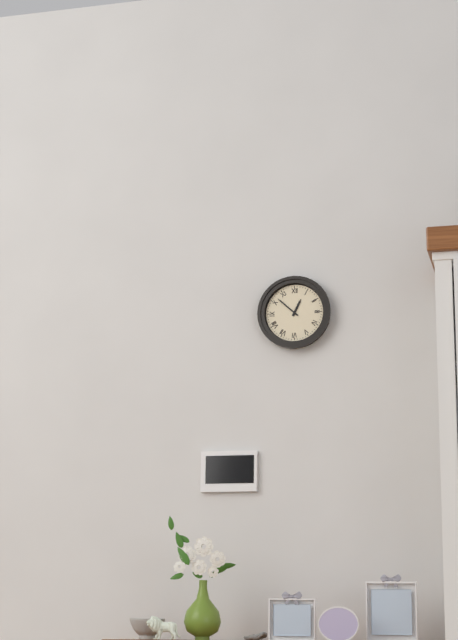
12h52
